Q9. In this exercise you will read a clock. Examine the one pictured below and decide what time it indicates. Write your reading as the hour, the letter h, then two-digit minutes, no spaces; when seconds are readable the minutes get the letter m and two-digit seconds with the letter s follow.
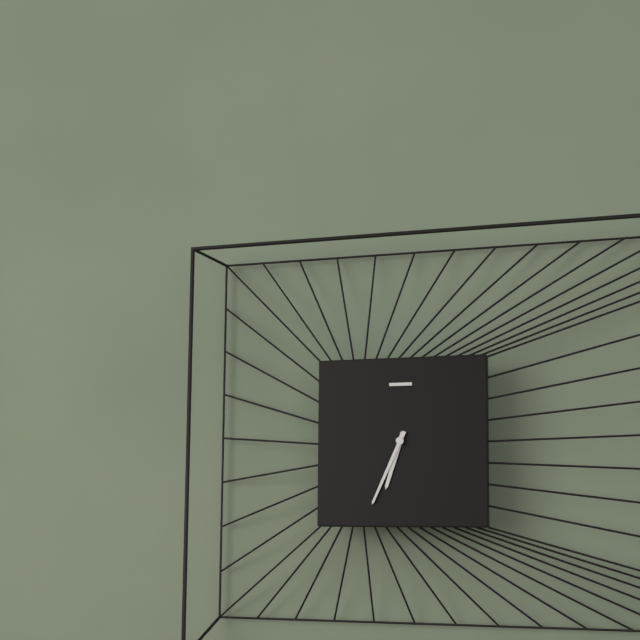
6h34
